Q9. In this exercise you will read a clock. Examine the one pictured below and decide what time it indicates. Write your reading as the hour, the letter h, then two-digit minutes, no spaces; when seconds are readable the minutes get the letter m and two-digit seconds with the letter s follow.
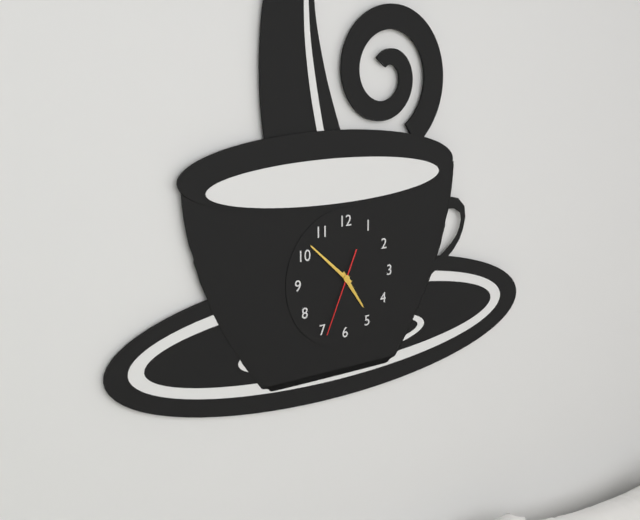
4h52m34s
